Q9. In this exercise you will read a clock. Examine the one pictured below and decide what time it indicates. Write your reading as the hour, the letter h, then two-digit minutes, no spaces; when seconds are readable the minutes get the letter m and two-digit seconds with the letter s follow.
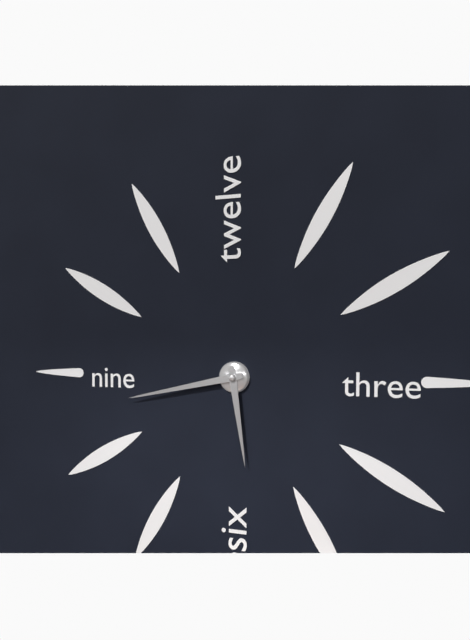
5h43
